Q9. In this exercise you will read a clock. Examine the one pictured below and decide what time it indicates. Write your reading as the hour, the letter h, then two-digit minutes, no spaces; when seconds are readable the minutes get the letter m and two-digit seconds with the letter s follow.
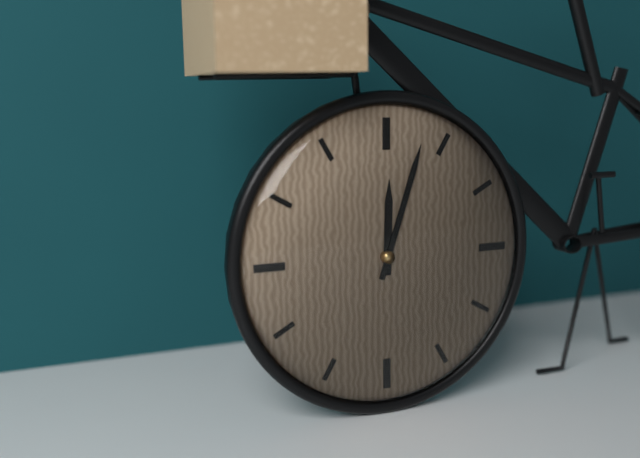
12h03
